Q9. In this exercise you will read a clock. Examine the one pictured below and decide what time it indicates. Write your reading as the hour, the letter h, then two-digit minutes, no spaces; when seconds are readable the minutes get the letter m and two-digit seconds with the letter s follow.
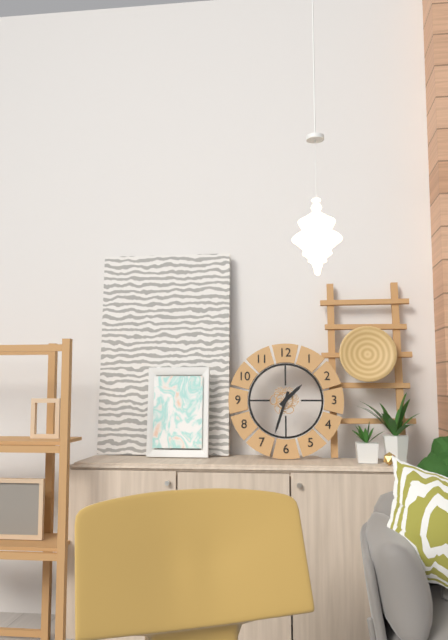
1h33
